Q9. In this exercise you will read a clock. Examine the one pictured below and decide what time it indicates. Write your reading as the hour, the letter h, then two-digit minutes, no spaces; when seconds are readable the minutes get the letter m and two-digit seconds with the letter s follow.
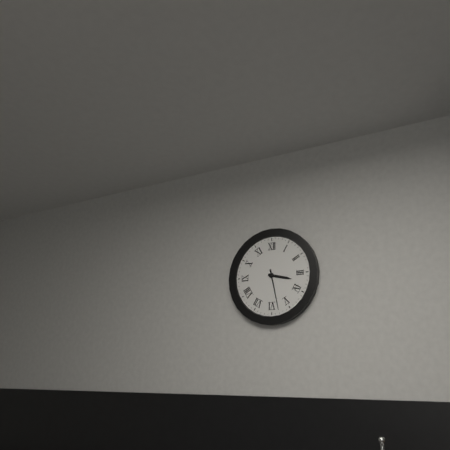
3h28
